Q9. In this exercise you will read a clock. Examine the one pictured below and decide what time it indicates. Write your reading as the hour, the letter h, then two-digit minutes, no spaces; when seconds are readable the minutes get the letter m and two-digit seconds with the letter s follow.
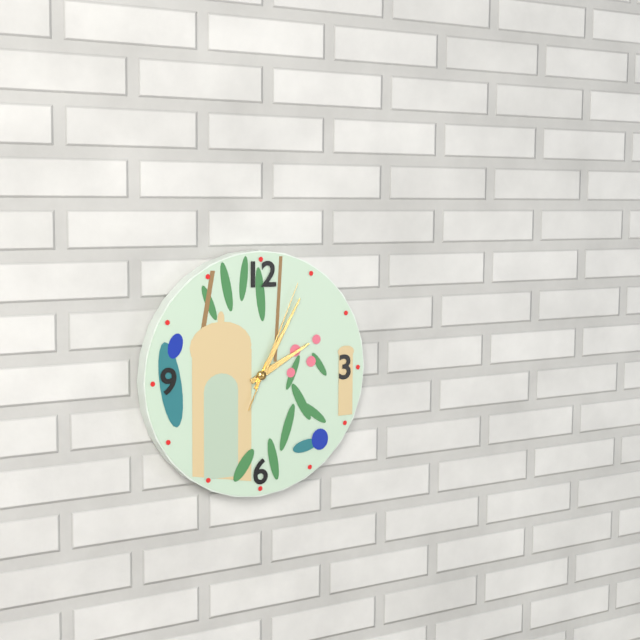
2h05m04s
